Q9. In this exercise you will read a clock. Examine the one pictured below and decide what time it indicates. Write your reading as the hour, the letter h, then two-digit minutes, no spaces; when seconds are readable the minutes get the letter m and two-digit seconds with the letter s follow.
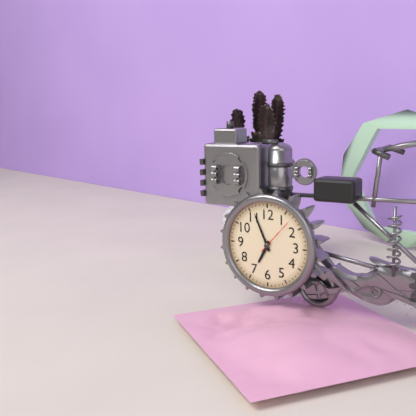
6h56
